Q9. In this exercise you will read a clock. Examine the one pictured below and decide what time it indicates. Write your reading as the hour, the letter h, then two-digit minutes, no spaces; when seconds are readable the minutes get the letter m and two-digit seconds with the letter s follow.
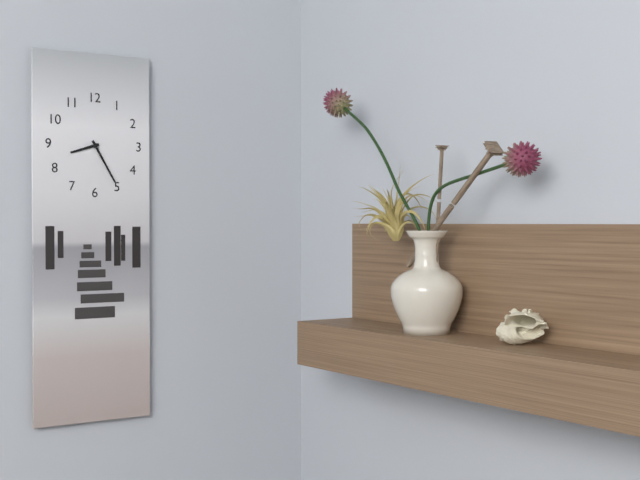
8h25
